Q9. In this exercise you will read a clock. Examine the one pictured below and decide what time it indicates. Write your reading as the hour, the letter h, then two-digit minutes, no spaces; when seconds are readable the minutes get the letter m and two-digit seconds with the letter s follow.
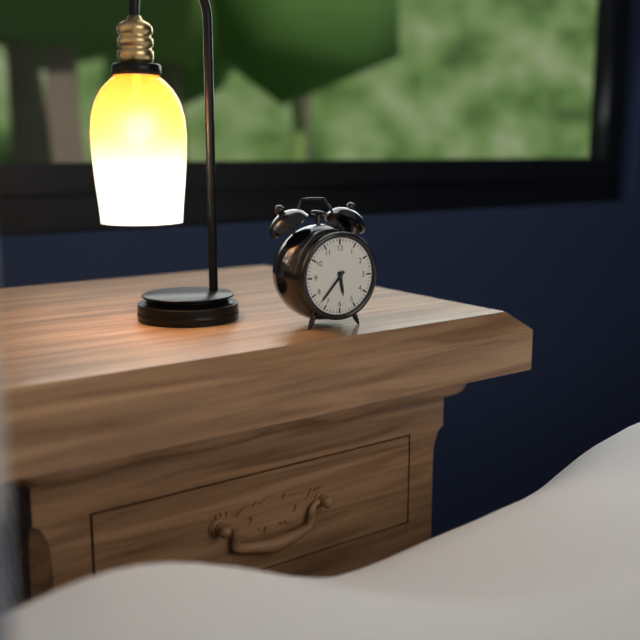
5h37
